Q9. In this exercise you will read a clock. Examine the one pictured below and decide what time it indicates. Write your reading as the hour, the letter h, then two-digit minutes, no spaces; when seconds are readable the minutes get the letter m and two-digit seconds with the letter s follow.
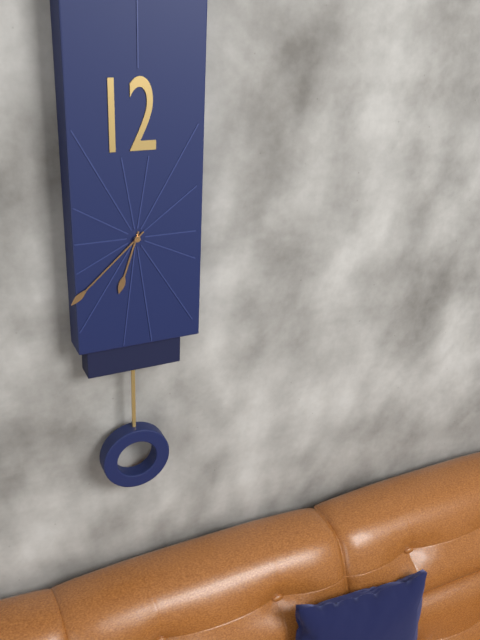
6h38
